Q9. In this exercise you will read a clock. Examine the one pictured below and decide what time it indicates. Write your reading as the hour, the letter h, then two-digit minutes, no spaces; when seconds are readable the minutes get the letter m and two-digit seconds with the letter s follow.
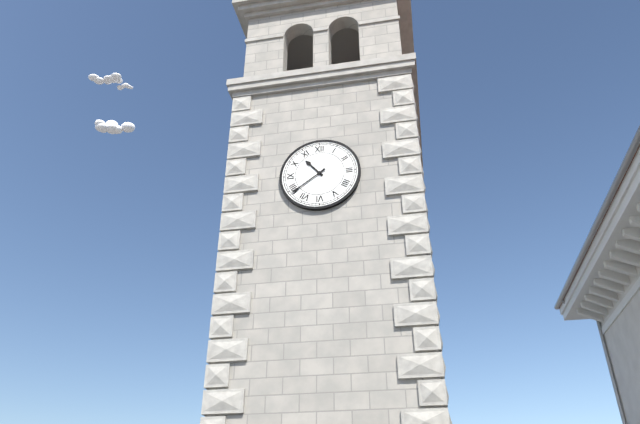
10h39
